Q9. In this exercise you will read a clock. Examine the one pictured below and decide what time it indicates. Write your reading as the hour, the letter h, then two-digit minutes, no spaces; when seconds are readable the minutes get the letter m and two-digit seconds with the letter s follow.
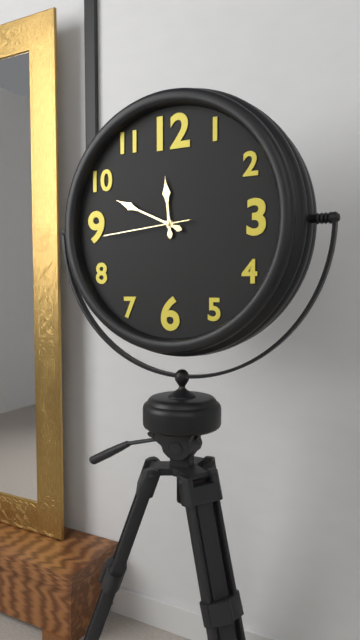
11h49m44s
